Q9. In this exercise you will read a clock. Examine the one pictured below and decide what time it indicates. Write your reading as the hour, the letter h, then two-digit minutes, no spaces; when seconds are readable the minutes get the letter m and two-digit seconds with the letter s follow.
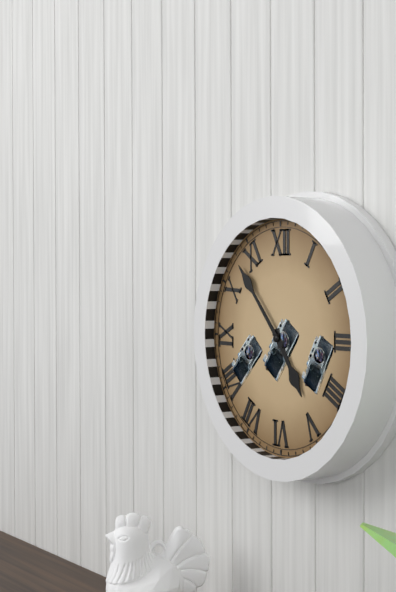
4h53
